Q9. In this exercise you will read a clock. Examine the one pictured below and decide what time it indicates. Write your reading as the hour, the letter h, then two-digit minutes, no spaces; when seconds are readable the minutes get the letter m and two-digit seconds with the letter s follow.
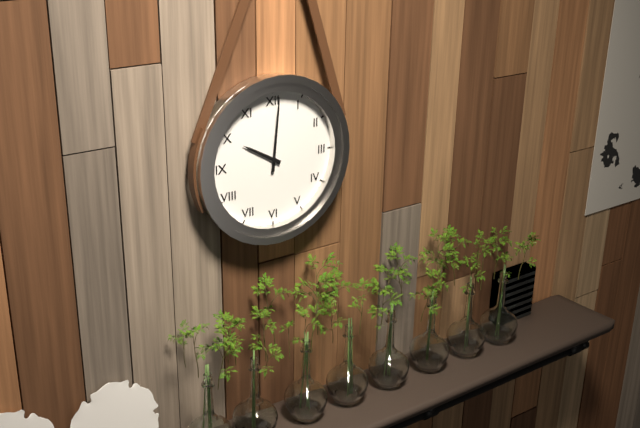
10h01
